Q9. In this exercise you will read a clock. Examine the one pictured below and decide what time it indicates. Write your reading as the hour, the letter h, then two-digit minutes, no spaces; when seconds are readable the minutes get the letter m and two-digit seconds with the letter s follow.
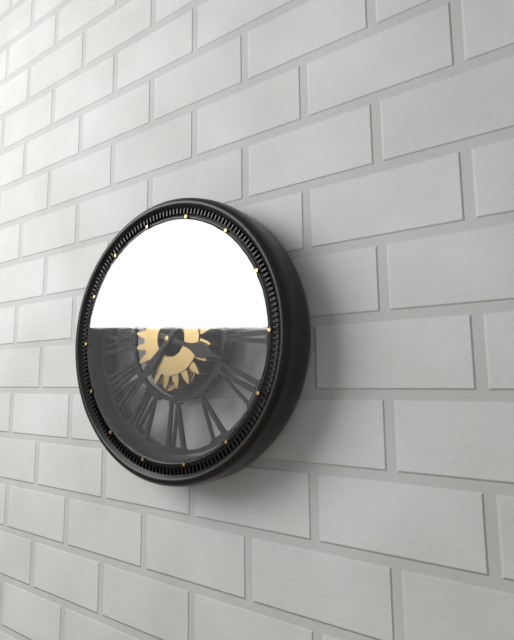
3h37
